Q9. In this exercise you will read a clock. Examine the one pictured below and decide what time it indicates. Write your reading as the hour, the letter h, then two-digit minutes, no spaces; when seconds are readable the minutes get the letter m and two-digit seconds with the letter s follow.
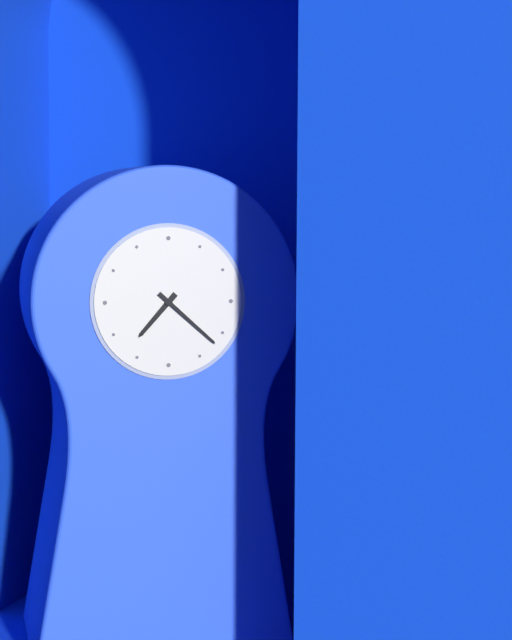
7h22
